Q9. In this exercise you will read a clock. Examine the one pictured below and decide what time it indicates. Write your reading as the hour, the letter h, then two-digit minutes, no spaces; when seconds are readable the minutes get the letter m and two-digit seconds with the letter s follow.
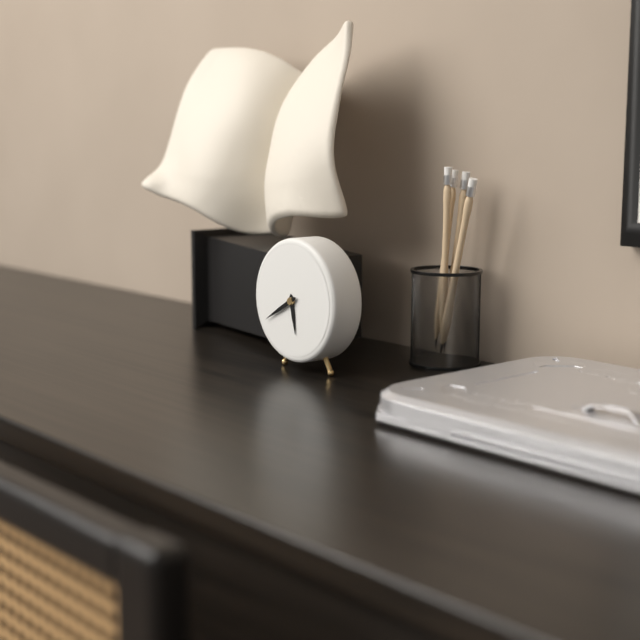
5h40
